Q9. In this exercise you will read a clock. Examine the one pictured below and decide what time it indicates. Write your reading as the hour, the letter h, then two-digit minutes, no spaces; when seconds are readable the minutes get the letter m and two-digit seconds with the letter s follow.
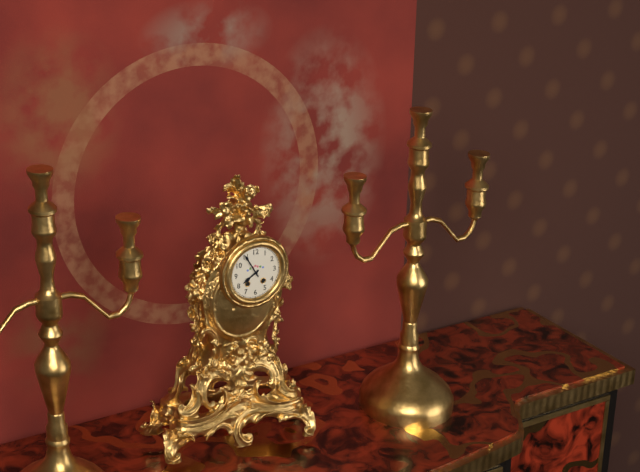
7h55
